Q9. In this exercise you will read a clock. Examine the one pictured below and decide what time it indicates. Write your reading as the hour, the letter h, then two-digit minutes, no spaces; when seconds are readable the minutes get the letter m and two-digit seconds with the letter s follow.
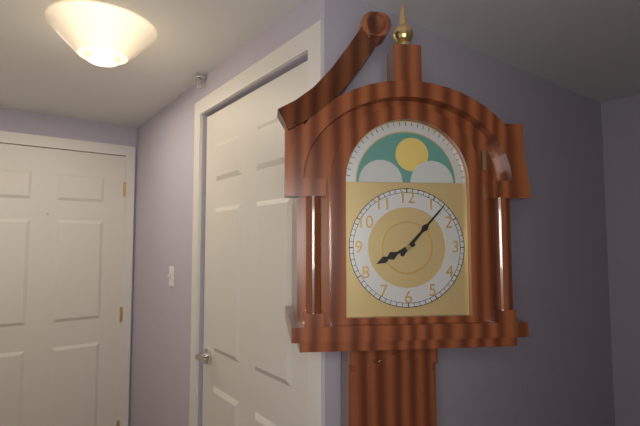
8h07
